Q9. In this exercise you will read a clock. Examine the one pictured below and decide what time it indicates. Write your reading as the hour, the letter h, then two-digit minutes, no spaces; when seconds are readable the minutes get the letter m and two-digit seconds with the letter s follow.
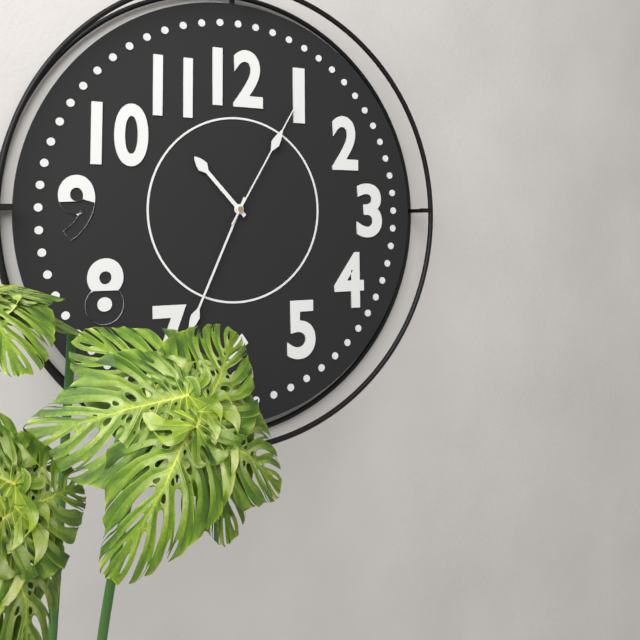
10h34m05s
